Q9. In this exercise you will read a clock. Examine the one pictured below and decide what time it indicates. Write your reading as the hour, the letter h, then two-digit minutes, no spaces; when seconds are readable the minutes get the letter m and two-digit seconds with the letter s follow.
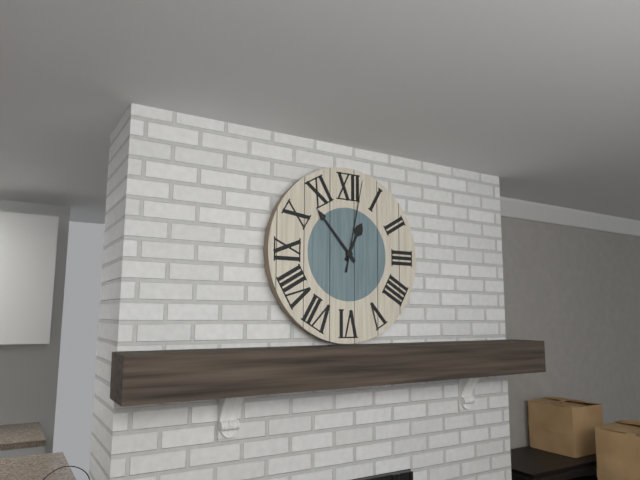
12h53m02s
